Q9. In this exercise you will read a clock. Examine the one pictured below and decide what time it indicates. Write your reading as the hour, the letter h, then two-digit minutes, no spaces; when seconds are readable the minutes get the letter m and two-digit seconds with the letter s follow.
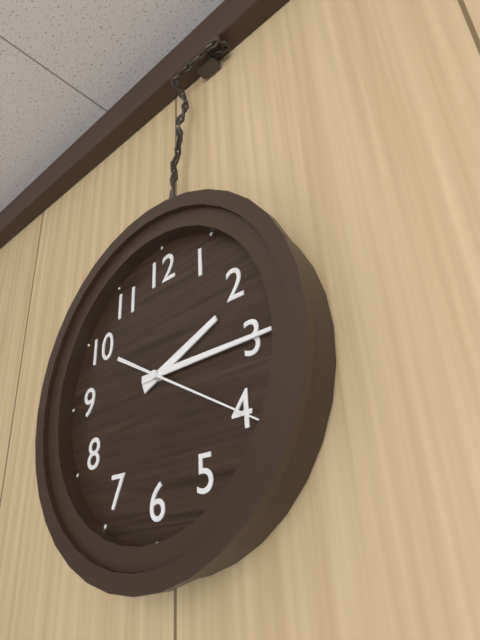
2h15m20s
